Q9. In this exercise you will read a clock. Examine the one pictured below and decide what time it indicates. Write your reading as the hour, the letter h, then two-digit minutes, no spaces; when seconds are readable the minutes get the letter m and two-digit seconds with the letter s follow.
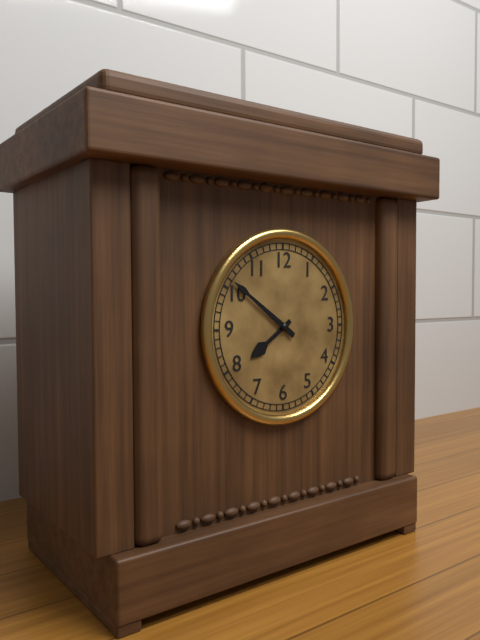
7h51
